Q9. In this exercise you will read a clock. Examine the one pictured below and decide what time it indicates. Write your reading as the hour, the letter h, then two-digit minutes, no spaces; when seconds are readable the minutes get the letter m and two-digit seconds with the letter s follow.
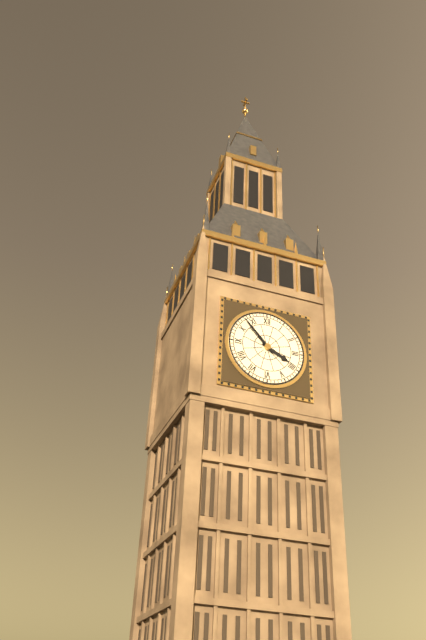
3h53
